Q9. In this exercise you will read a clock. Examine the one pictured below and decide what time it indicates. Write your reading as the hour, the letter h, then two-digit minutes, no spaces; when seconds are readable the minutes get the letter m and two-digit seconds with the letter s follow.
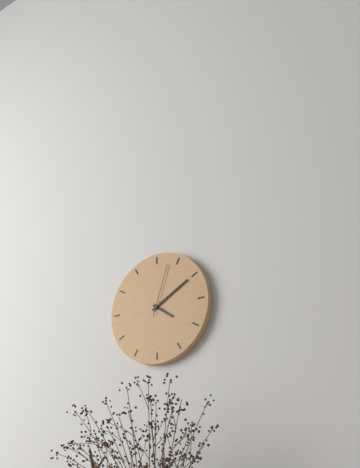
4h10m03s
